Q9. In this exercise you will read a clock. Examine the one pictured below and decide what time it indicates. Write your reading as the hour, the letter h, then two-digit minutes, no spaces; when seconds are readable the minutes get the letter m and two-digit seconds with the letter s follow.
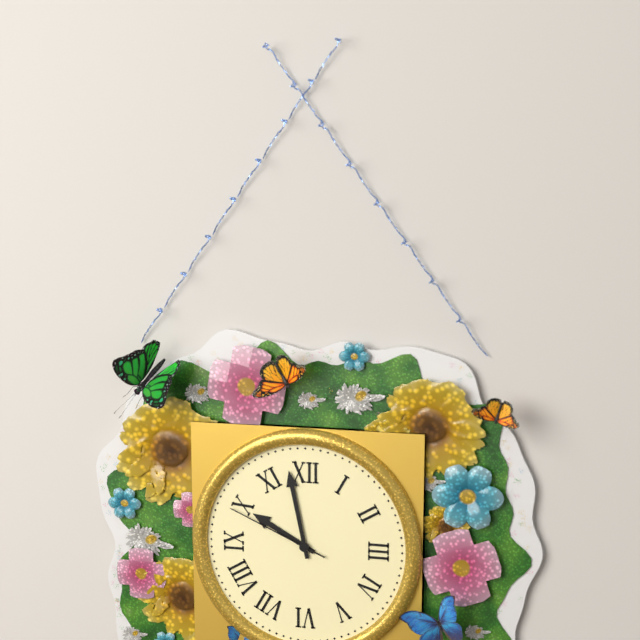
9h58m49s
